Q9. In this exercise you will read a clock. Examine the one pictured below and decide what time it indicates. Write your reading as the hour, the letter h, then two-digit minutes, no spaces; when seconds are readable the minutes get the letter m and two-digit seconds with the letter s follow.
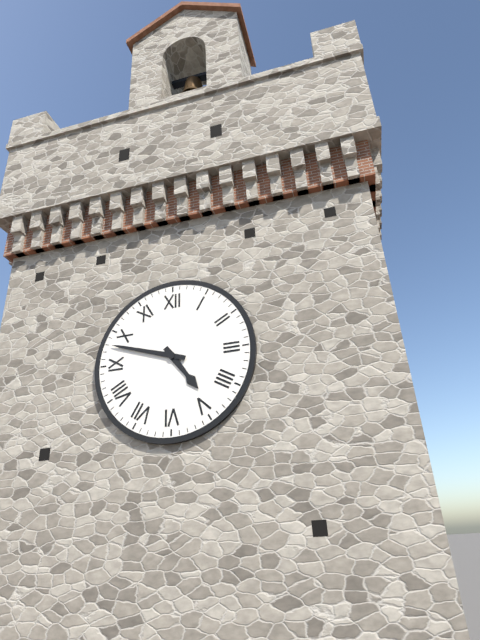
4h48
